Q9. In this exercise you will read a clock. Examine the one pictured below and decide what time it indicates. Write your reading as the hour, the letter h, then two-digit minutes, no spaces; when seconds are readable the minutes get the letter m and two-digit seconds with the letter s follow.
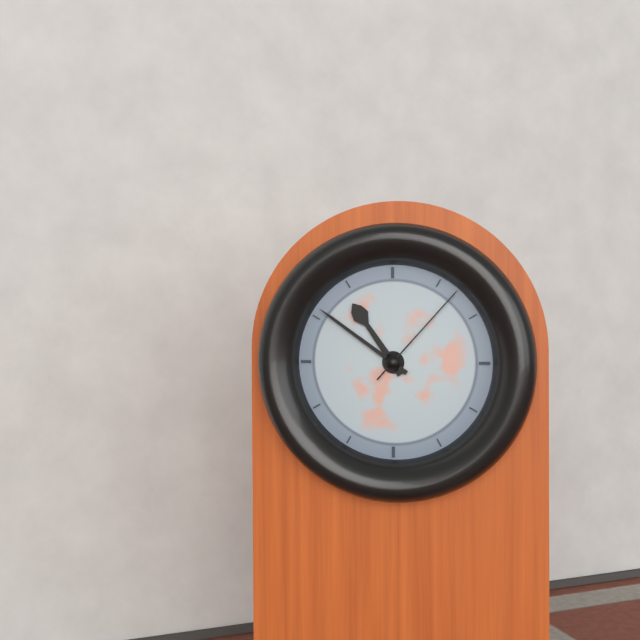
10h51m07s
